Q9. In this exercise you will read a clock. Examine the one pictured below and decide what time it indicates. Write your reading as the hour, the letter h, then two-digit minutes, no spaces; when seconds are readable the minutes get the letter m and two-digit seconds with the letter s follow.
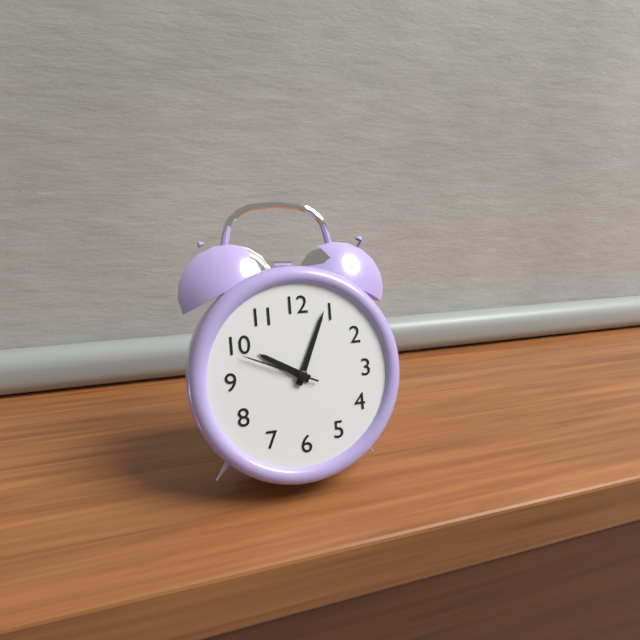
10h04m49s
